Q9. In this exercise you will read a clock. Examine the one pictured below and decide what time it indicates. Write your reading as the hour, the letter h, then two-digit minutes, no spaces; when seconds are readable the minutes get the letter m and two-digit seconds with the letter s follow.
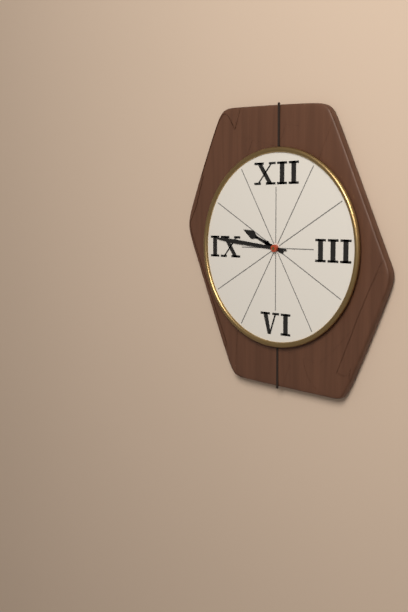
9h46
